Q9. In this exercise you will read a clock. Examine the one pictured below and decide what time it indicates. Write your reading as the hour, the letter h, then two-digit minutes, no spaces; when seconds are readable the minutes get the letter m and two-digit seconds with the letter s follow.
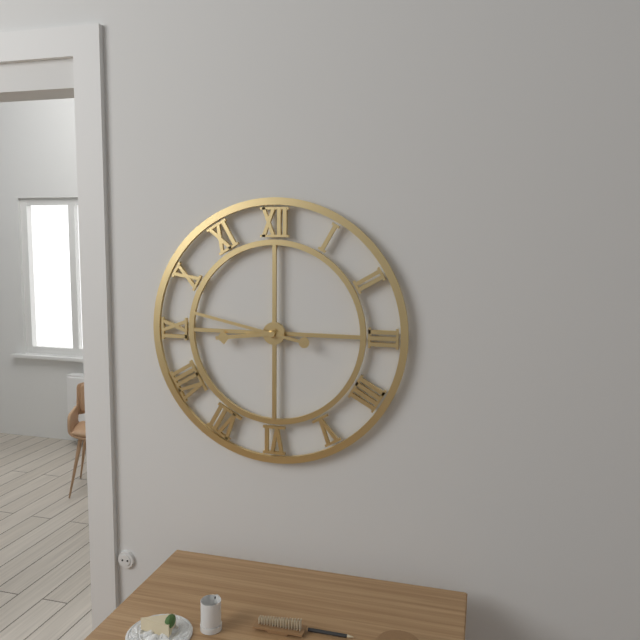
8h47
